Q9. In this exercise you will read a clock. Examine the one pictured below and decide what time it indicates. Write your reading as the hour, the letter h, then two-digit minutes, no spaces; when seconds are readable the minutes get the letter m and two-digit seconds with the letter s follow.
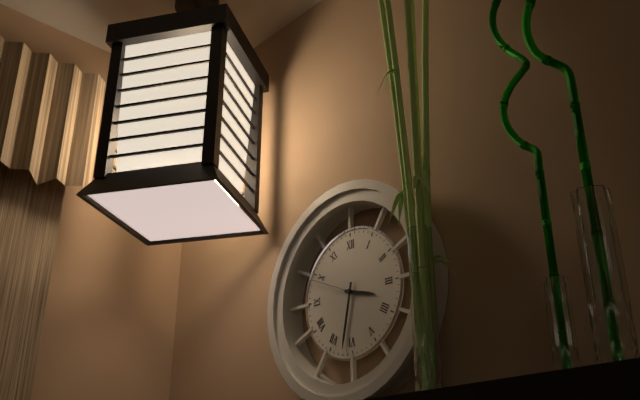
3h32
